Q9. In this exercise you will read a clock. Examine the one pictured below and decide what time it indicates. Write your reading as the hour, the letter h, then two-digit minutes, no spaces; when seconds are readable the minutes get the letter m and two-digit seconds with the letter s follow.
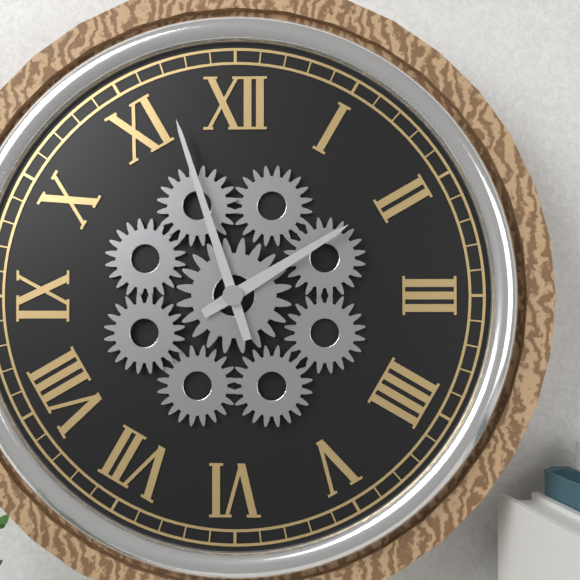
1h57
